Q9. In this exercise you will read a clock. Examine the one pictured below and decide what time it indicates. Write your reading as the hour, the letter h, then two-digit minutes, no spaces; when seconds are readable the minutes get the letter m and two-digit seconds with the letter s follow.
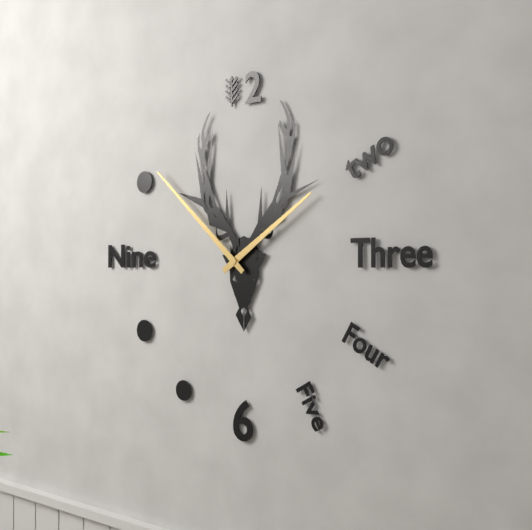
1h52
